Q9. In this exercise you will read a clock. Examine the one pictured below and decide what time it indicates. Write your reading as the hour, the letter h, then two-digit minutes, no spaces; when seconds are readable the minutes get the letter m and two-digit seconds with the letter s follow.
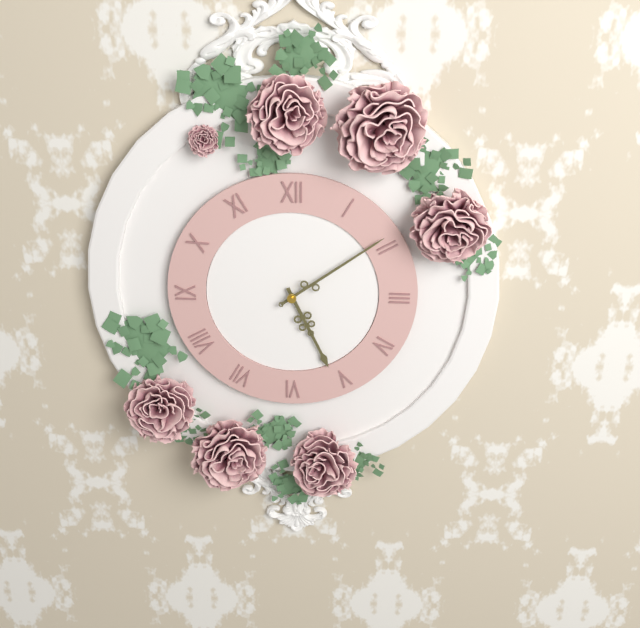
5h09
